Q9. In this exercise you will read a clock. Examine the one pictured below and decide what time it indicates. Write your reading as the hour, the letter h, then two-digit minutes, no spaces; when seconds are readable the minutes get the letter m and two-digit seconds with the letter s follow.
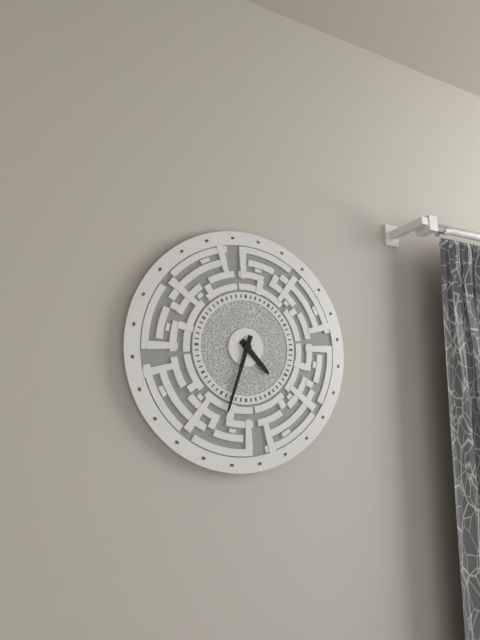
4h33
